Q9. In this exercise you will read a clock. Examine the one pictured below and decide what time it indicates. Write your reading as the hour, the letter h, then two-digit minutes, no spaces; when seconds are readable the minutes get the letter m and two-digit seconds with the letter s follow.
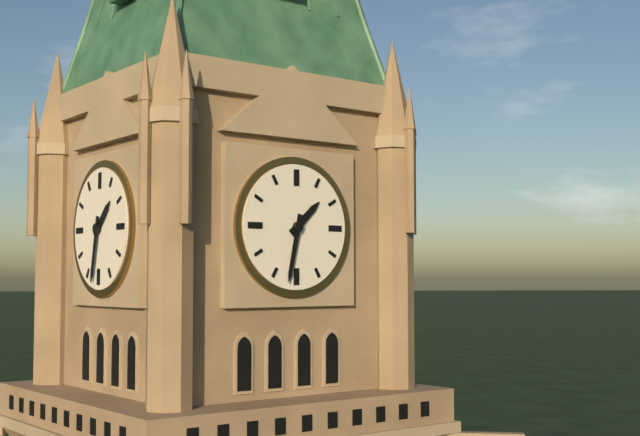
1h32
